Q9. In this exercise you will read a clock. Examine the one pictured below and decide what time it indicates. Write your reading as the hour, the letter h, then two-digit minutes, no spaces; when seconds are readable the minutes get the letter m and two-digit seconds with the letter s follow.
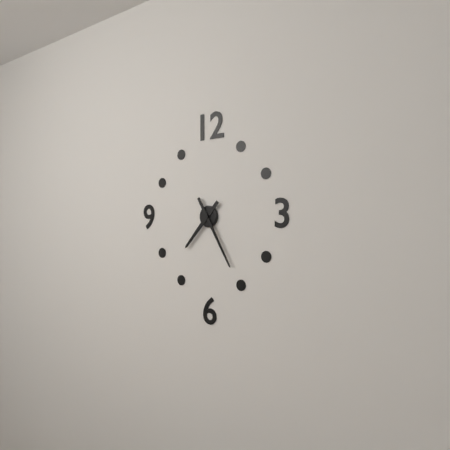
7h25
